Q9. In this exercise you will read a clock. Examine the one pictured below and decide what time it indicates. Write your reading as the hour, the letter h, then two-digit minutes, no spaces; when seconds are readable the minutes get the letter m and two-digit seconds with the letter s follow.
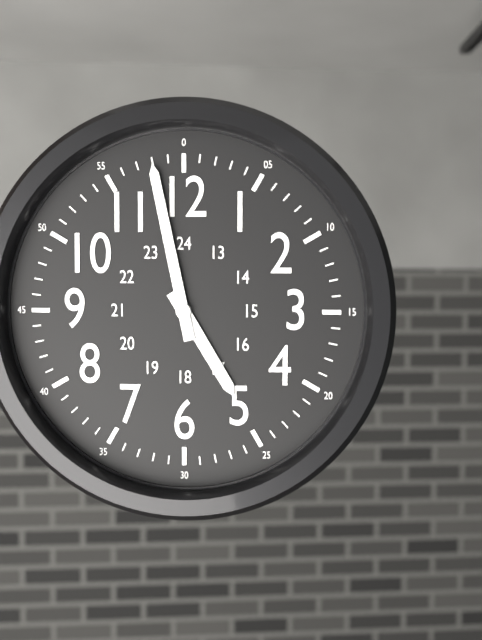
4h58
